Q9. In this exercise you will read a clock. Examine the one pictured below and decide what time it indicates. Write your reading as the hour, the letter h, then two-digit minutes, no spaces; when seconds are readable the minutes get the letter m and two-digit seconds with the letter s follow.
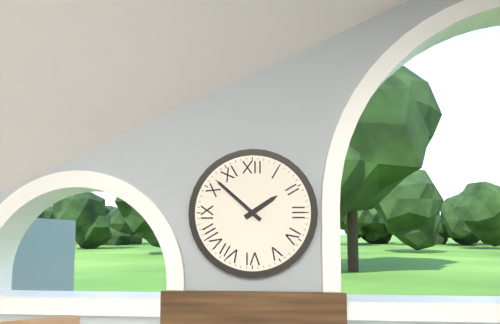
1h52
